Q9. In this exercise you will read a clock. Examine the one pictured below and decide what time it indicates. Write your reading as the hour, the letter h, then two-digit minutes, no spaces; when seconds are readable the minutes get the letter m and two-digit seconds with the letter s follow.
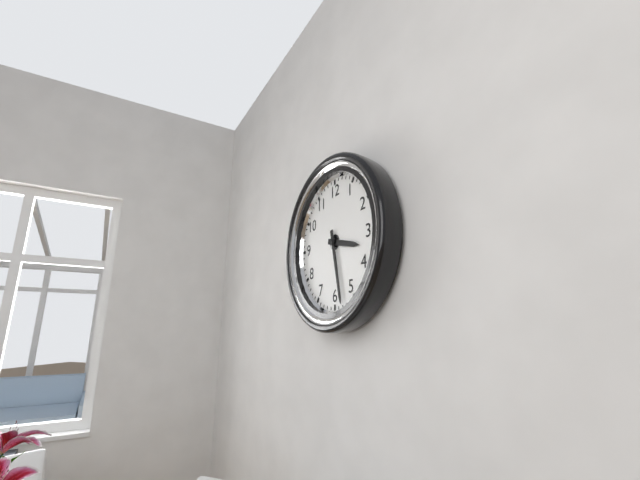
3h28
